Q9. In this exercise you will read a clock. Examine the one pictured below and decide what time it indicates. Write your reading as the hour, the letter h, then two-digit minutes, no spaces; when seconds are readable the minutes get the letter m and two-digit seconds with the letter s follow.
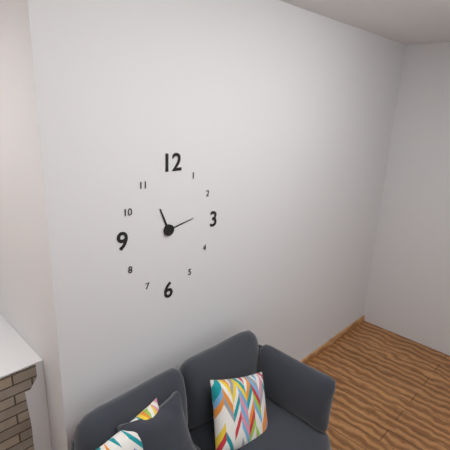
11h13
